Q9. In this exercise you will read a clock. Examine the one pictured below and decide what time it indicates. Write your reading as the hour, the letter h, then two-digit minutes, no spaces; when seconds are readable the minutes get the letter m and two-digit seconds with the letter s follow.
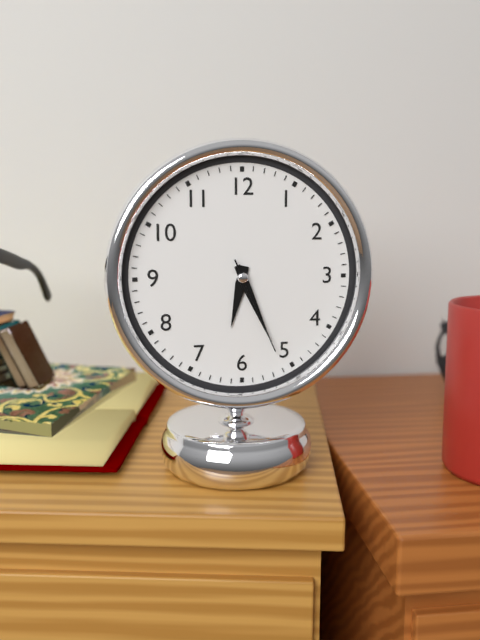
6h26m26s
